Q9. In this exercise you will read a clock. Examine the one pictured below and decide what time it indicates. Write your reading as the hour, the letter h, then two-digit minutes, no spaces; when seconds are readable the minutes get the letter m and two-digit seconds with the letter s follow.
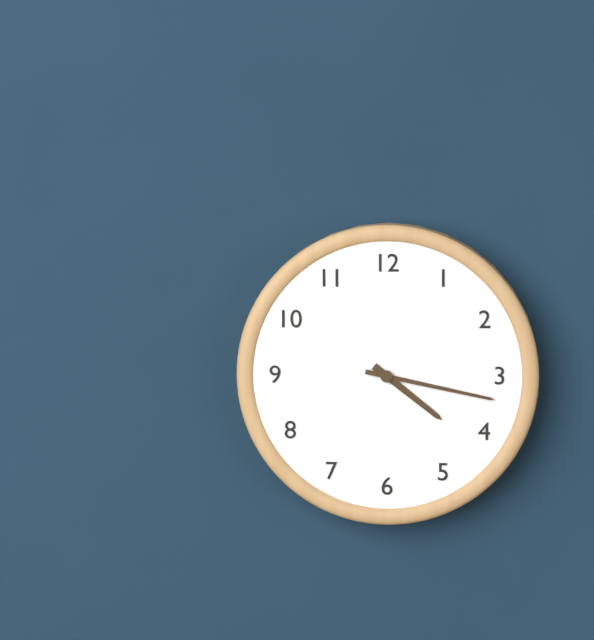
4h17
